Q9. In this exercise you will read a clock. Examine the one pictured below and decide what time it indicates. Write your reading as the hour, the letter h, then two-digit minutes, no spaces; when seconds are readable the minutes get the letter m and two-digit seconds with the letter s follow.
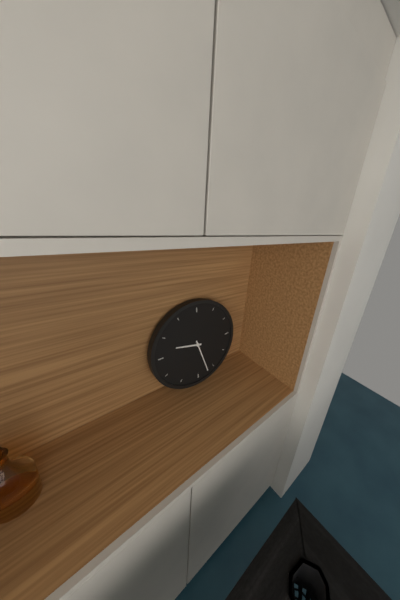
9h27
